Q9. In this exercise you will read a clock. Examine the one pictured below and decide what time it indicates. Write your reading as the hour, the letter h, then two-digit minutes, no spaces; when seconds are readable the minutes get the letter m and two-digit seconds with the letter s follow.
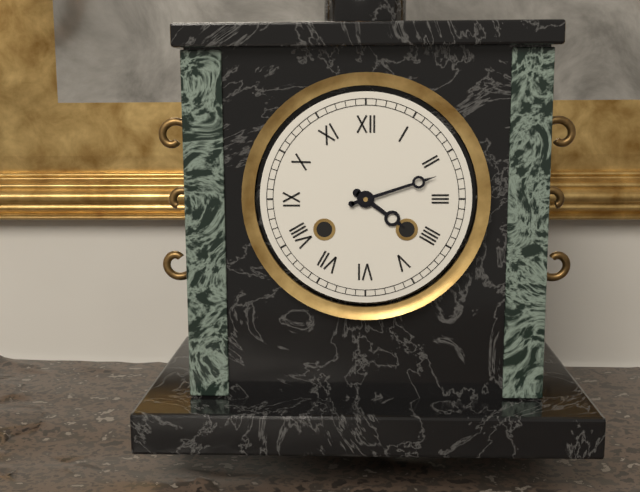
4h12
